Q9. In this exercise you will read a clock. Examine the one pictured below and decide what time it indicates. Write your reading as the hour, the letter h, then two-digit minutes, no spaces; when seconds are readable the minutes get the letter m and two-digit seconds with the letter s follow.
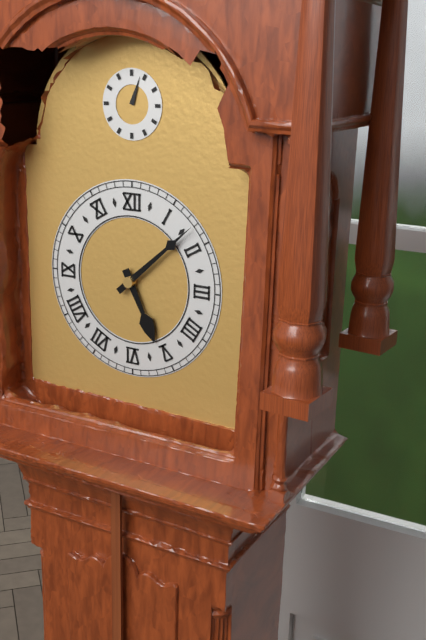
5h08
